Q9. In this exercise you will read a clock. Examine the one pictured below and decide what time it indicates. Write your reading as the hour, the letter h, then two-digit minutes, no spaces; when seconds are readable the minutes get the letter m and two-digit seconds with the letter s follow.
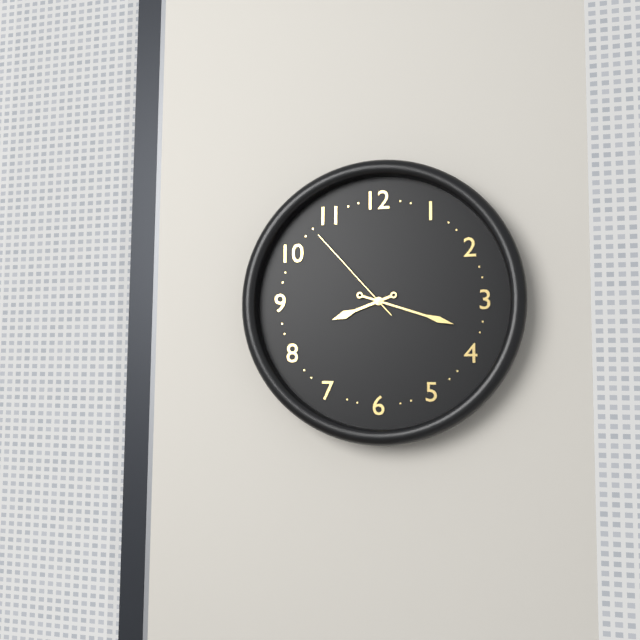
8h18m53s
